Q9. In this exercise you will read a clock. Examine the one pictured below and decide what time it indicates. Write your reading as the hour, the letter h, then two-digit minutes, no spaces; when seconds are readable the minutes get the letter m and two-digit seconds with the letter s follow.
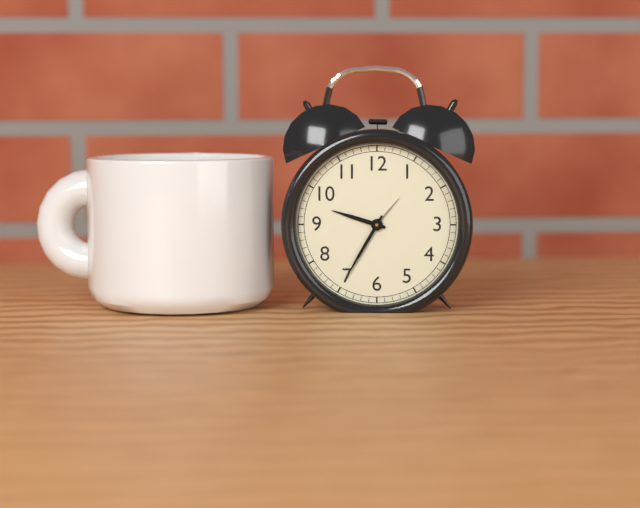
9h35
